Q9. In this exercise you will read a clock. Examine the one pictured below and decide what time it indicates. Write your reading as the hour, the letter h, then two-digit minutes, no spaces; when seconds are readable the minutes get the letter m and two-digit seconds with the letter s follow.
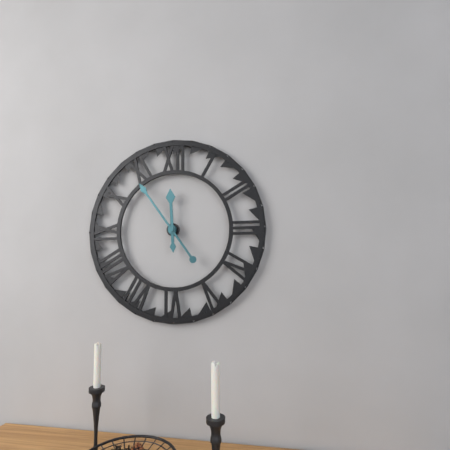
11h54
